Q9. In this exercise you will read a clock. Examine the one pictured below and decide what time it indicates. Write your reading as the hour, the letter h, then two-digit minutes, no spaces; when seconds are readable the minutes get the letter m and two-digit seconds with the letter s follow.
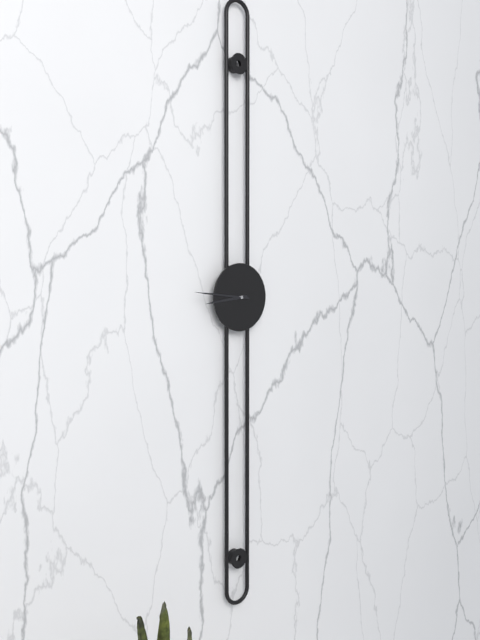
8h46
